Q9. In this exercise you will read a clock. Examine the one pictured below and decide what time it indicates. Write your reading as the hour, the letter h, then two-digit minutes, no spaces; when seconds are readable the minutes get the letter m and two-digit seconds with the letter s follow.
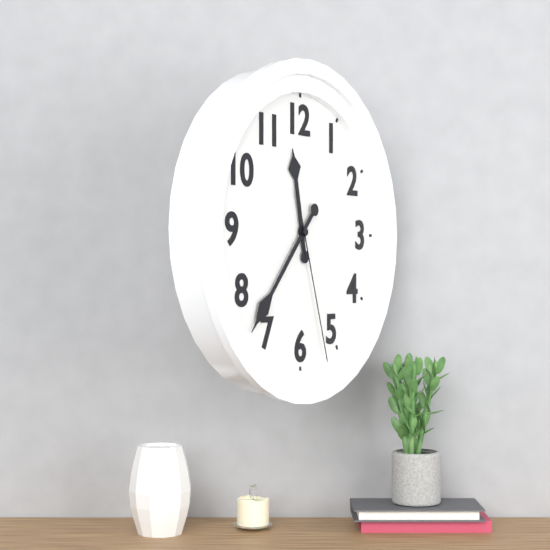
11h37m27s
